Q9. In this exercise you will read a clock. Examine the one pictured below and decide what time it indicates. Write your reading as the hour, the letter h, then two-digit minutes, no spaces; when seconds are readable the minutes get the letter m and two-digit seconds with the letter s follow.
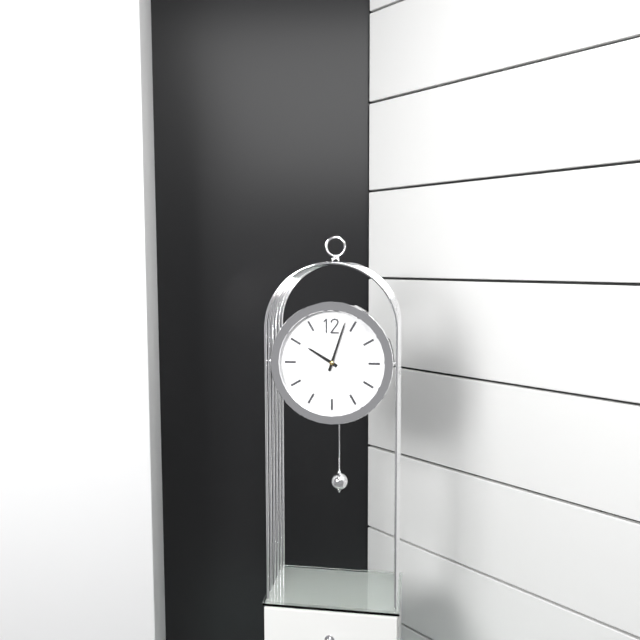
10h03
